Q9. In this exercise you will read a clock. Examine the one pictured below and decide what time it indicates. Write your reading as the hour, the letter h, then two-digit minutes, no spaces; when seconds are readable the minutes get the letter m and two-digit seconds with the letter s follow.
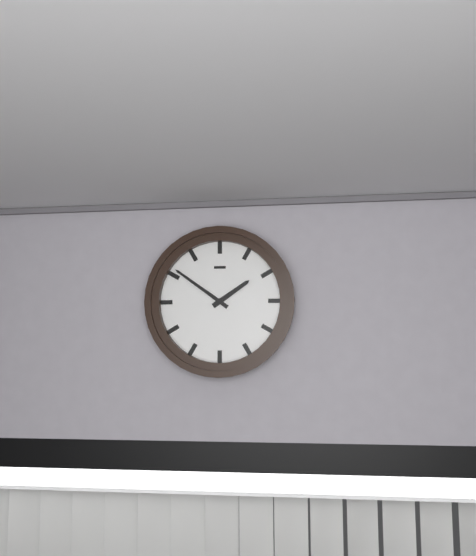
1h51
